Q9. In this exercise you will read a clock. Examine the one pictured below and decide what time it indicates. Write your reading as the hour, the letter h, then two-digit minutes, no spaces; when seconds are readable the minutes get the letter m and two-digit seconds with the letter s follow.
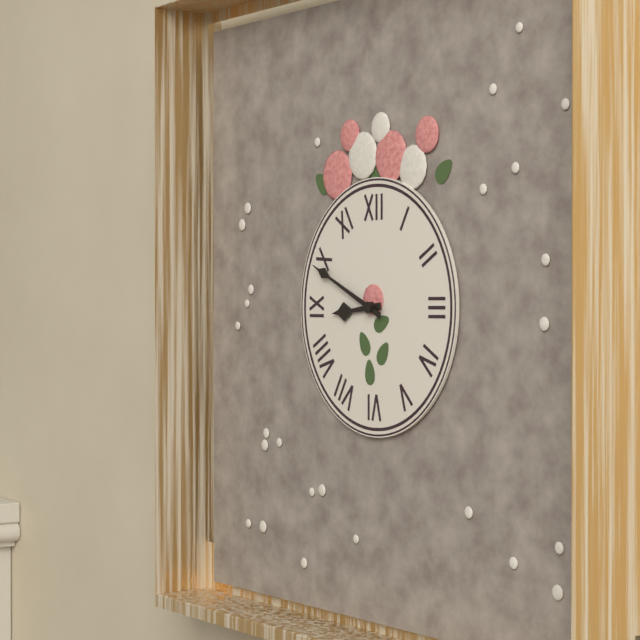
8h49
